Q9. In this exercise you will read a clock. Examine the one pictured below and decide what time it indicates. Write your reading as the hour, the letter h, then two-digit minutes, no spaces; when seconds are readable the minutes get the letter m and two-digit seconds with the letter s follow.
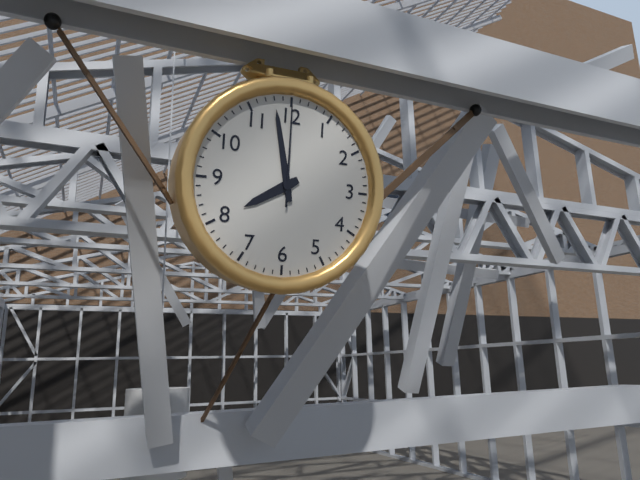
7h58m00s
